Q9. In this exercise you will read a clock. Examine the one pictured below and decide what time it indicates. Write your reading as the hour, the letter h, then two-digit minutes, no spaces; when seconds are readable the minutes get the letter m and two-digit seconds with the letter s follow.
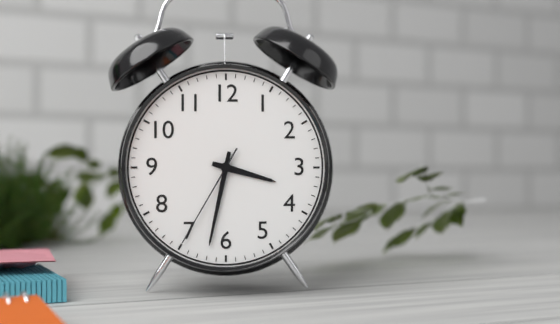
3h32m35s
